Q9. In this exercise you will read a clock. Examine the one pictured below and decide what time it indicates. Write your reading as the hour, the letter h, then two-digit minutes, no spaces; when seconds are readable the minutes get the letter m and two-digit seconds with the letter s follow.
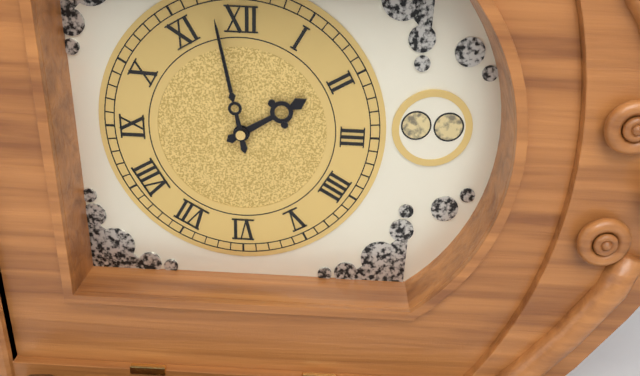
1h58
